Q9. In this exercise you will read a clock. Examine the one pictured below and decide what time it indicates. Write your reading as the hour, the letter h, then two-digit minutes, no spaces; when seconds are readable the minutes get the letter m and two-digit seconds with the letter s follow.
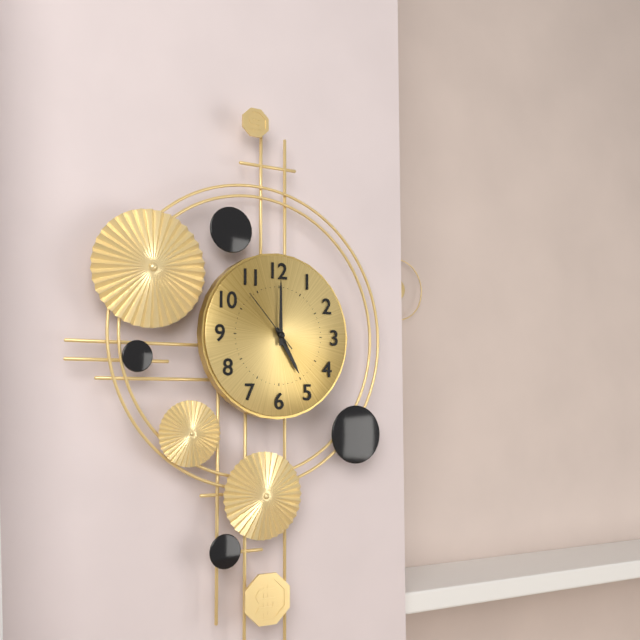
5h00m53s
